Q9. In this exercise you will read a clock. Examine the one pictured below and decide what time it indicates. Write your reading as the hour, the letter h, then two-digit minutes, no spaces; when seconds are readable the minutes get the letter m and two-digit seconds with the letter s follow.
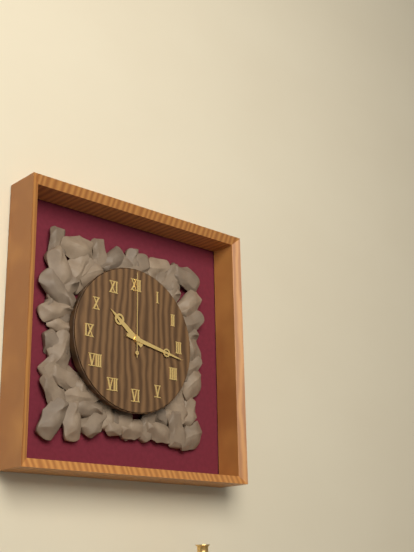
10h17m00s
